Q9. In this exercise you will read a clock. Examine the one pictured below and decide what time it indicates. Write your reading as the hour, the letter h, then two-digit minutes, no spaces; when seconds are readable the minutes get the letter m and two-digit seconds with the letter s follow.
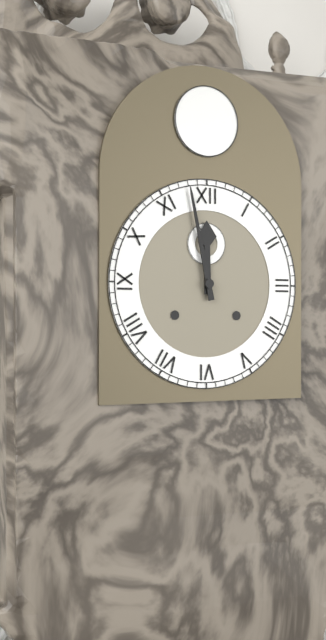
11h58
